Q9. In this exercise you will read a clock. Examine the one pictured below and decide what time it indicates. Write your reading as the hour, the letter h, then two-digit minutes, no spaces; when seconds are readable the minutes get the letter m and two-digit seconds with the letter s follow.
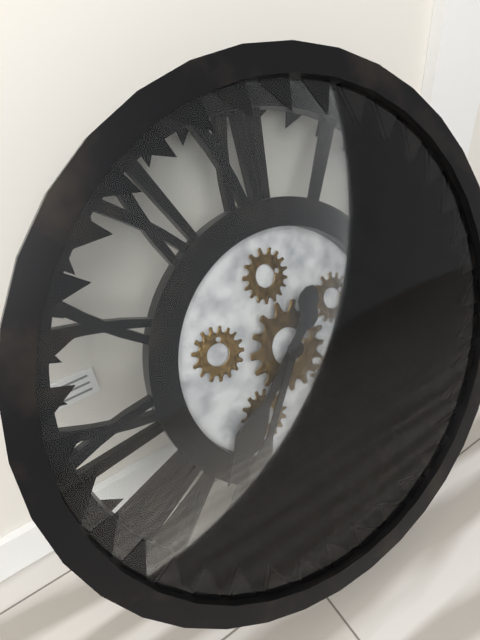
7h36
